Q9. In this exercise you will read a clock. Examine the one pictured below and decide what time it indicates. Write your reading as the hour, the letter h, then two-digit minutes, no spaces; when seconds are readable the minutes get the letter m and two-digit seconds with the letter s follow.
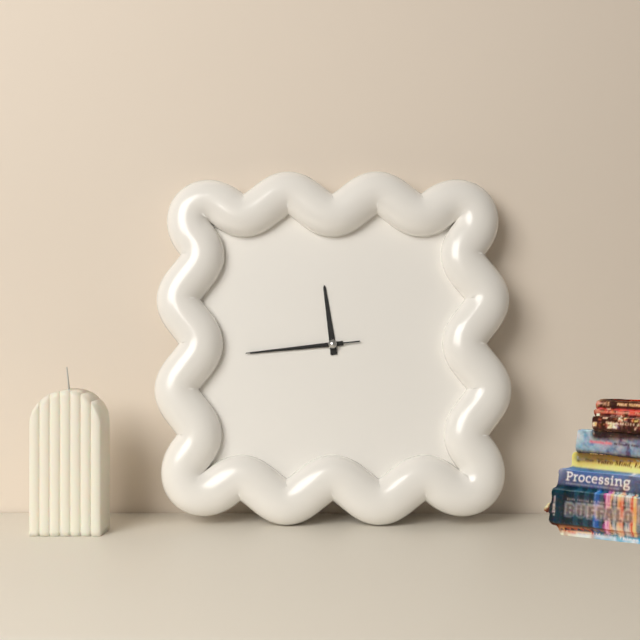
11h44m44s
